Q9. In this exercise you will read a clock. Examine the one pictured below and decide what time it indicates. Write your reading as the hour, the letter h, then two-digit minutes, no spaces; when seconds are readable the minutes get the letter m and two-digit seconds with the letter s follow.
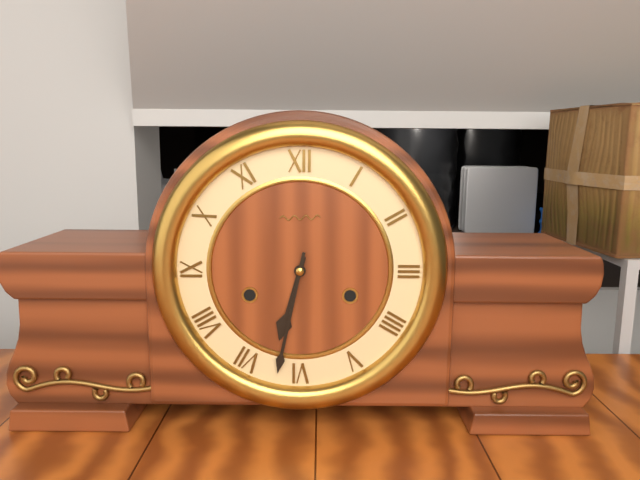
6h32
